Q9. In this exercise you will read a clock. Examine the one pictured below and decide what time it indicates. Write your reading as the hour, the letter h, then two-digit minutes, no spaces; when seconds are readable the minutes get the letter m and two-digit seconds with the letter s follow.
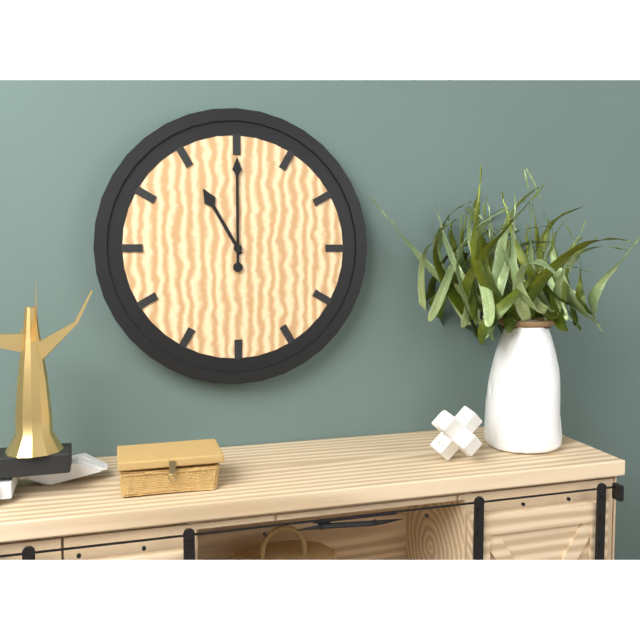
11h00
